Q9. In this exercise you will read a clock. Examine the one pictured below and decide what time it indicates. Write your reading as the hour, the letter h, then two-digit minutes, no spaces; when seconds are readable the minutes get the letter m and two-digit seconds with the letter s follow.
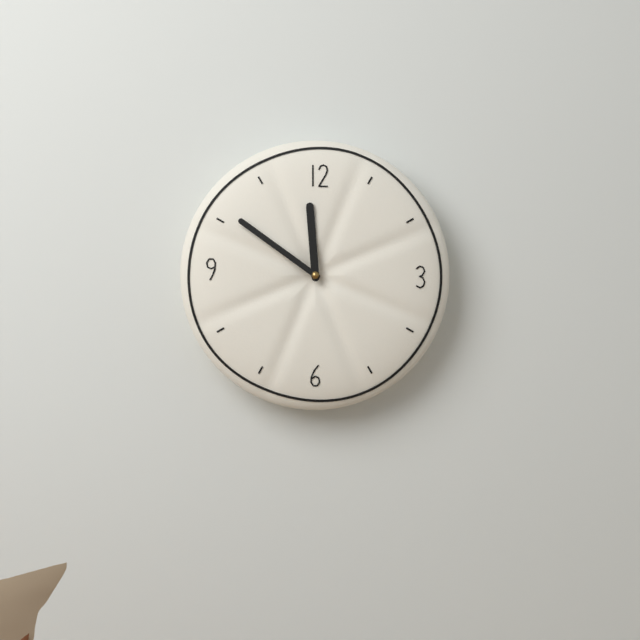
11h51
